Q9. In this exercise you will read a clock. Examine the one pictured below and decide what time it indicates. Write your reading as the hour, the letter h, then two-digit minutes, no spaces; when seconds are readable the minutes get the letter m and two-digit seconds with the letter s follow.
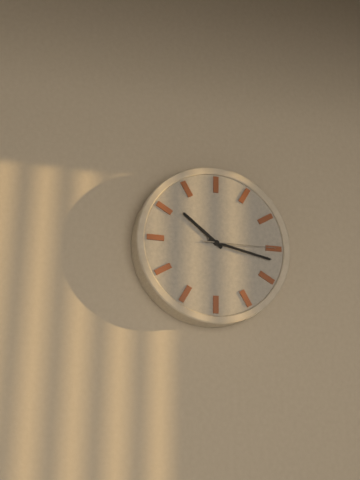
10h17m15s
